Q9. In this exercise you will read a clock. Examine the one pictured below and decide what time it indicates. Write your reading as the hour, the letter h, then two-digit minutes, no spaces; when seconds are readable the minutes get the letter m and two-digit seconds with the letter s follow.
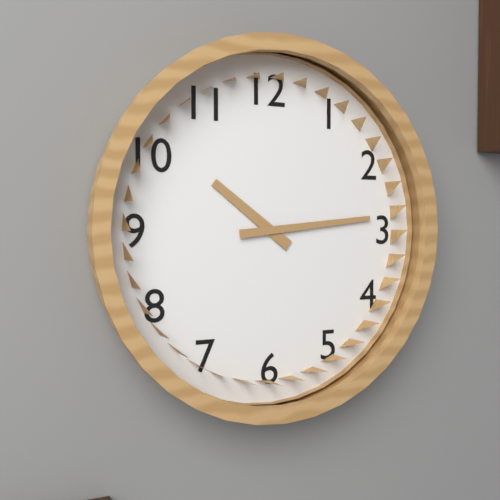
10h14
